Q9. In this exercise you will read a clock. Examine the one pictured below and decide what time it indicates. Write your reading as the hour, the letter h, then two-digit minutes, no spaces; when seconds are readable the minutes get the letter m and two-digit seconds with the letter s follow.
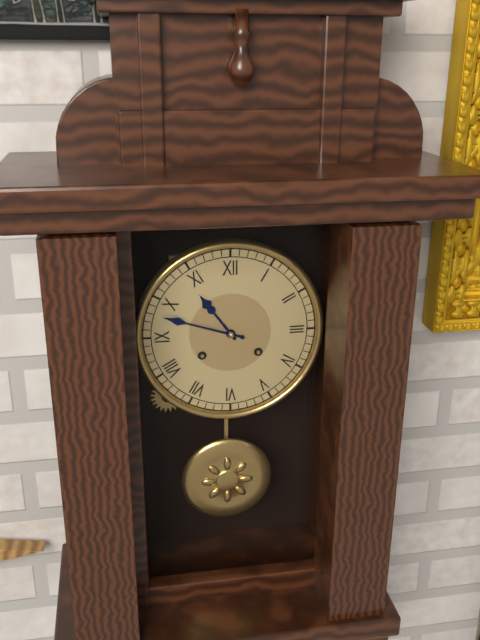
10h48
